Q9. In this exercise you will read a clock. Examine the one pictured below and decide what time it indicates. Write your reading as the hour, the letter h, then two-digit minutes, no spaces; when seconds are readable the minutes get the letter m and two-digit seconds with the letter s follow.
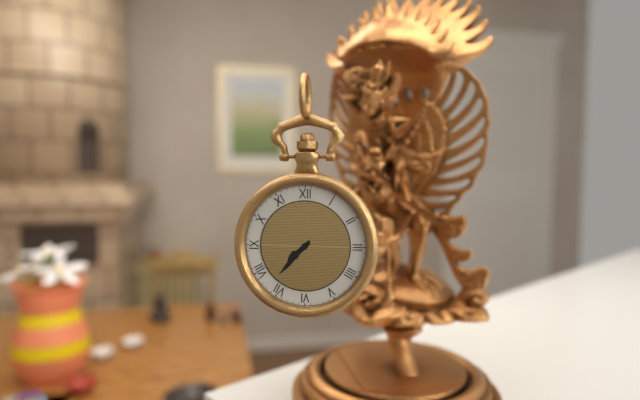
7h37
